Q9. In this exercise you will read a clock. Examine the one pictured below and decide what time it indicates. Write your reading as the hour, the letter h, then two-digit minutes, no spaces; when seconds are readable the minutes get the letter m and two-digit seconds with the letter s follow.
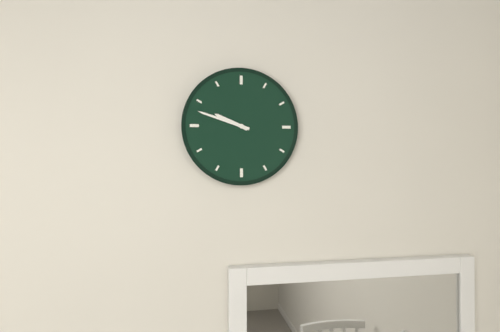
9h48
